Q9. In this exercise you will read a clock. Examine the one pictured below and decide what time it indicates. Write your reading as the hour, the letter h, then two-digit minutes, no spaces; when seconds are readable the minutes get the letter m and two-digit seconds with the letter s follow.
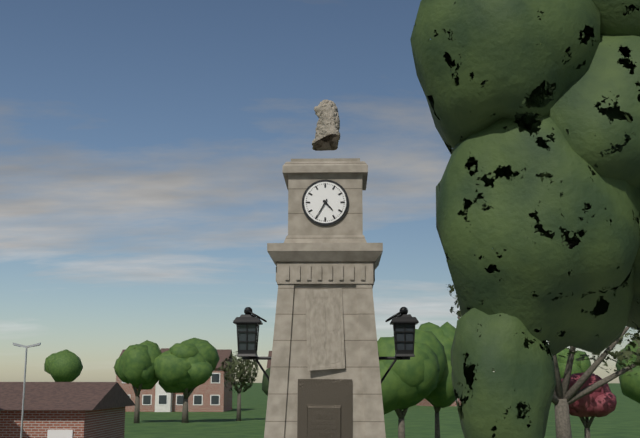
4h35
